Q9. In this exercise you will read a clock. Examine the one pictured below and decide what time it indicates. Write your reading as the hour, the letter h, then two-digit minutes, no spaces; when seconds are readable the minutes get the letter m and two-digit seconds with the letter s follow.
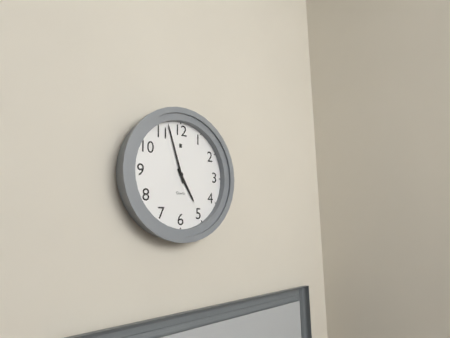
4h57
